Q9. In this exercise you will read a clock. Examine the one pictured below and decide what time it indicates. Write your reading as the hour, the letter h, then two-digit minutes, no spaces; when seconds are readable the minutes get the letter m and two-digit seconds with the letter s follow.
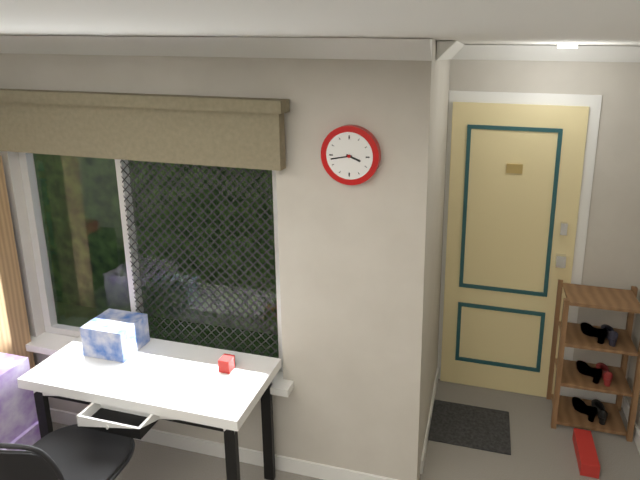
3h43
